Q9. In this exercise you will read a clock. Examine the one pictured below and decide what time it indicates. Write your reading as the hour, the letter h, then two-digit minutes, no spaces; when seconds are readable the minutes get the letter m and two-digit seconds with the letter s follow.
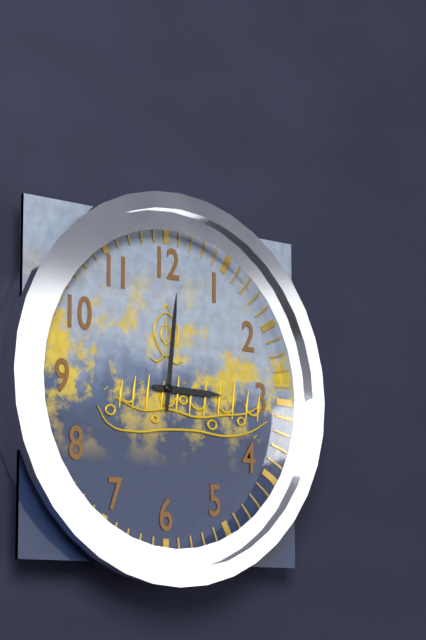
3h01
